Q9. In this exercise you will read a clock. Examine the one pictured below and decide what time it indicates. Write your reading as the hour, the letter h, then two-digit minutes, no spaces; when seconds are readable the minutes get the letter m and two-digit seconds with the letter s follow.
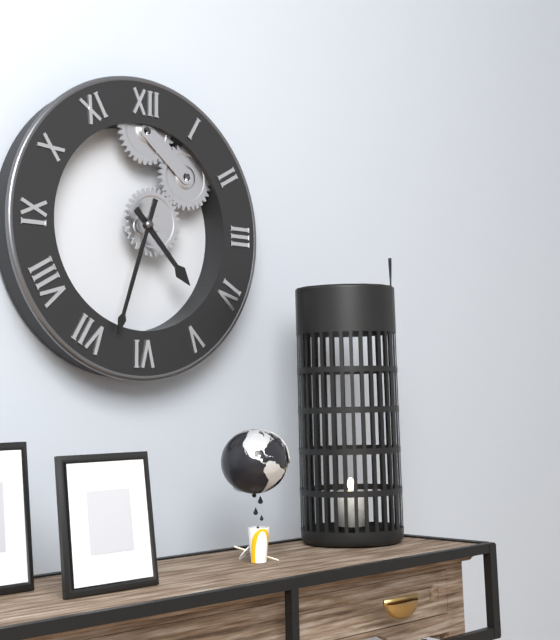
4h33
